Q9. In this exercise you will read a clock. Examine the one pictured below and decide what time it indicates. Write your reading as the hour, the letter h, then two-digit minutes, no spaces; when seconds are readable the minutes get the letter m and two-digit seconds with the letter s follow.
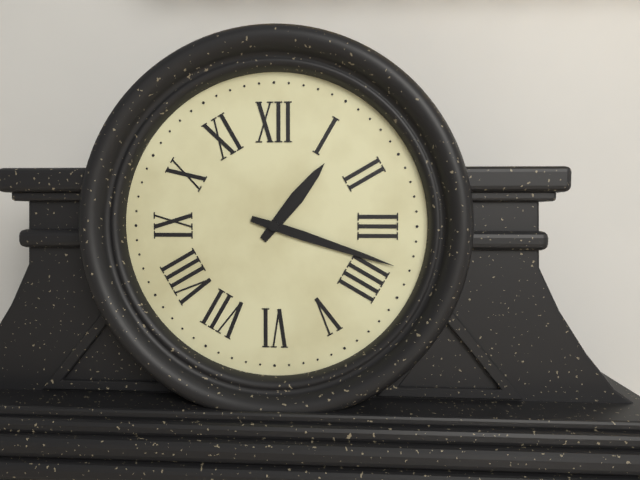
1h18
